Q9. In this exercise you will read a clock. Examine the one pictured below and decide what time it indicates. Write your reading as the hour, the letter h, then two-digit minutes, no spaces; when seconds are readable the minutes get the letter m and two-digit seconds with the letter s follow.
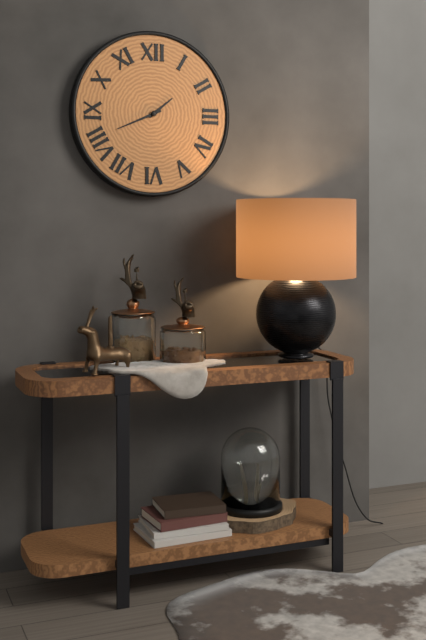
1h41
